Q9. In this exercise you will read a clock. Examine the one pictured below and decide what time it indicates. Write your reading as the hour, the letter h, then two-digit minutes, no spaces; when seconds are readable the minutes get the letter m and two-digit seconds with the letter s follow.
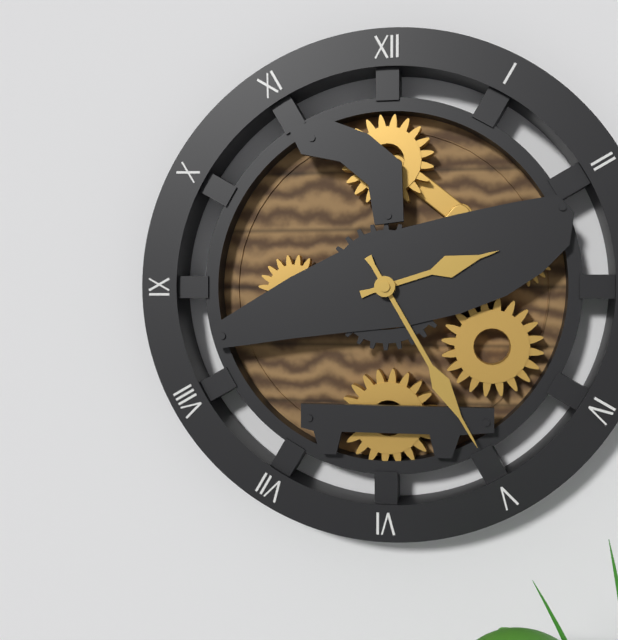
2h25
